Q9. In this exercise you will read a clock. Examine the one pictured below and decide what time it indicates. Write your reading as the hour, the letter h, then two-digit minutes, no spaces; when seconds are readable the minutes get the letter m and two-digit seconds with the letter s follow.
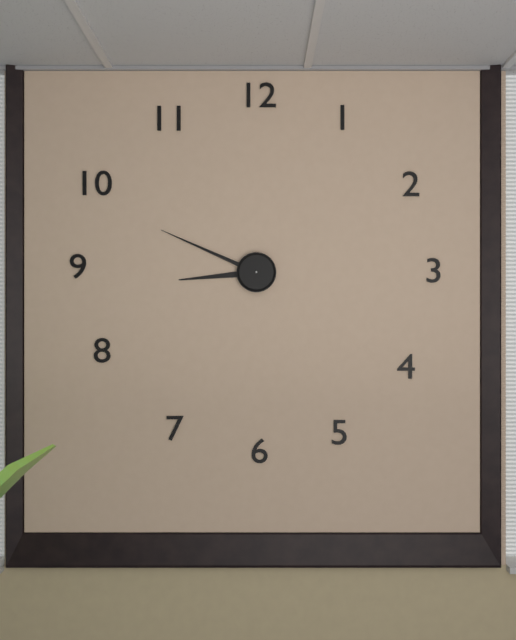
8h49
